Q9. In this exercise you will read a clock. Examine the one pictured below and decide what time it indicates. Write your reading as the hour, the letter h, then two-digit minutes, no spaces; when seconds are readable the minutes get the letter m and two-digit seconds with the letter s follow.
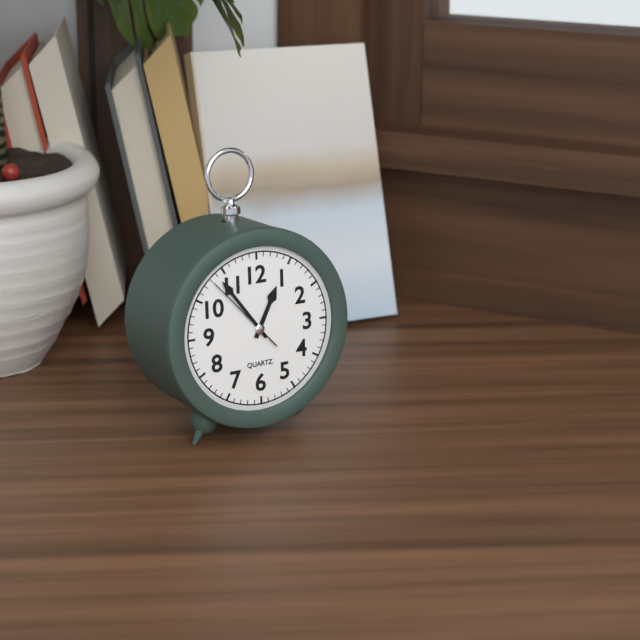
12h54m53s
